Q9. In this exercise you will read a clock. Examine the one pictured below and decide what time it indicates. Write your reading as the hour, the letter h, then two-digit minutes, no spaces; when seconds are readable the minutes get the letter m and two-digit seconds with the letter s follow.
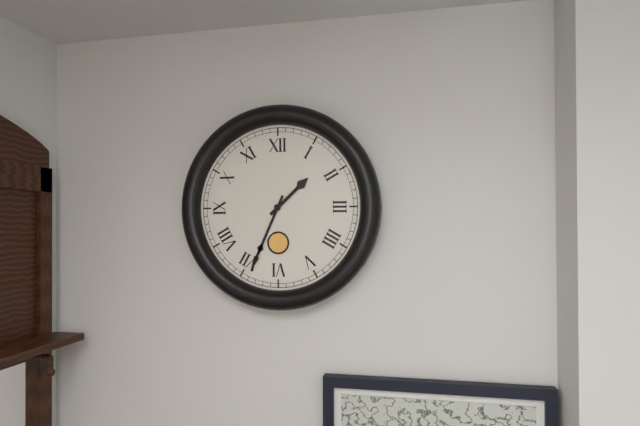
1h34
